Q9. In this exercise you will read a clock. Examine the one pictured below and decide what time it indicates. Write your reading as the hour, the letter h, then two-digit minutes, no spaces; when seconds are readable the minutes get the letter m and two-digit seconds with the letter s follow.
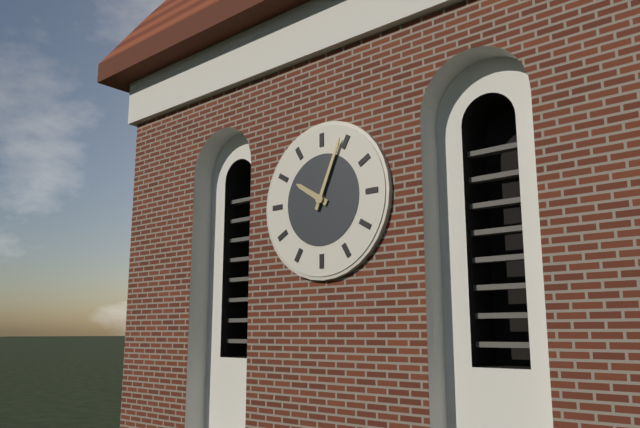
10h04
